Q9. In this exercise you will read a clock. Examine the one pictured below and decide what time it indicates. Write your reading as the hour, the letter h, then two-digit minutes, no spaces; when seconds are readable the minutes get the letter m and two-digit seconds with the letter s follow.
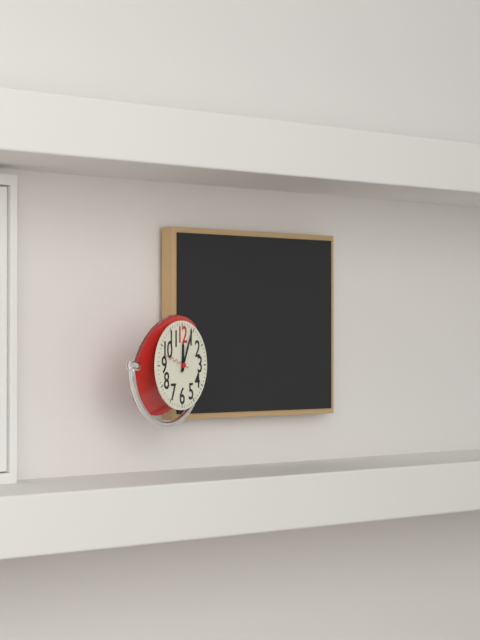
12h04
